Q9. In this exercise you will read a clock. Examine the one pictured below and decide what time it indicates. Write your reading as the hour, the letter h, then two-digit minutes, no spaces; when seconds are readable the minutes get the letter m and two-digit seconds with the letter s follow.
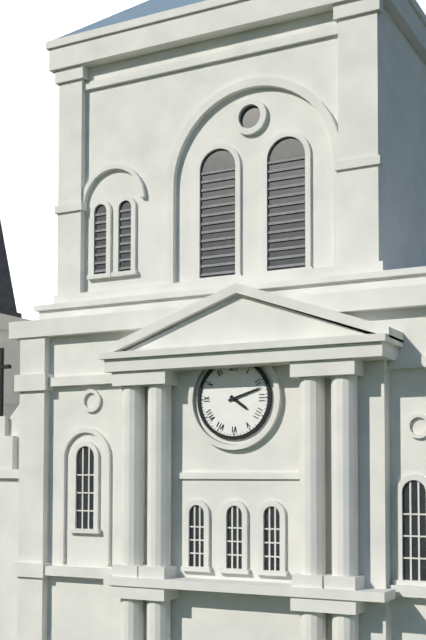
4h12
